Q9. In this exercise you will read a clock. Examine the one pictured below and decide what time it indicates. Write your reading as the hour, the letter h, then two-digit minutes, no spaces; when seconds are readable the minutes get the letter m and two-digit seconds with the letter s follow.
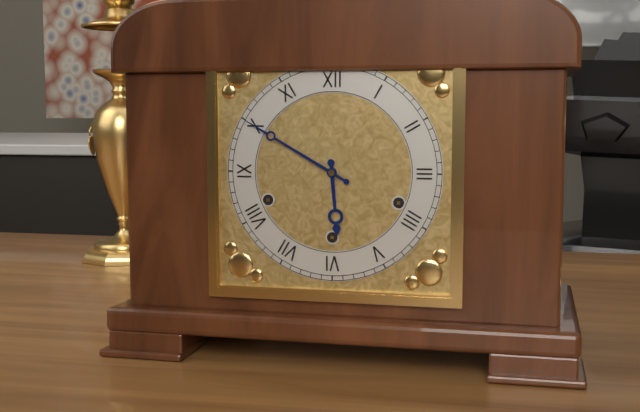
5h50
